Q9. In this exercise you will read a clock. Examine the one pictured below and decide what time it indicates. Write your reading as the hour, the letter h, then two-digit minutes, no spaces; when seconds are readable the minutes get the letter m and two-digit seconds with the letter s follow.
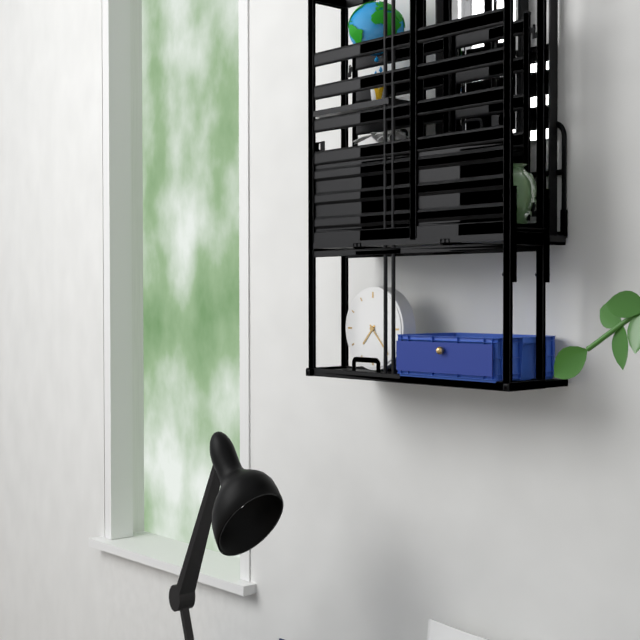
7h23
